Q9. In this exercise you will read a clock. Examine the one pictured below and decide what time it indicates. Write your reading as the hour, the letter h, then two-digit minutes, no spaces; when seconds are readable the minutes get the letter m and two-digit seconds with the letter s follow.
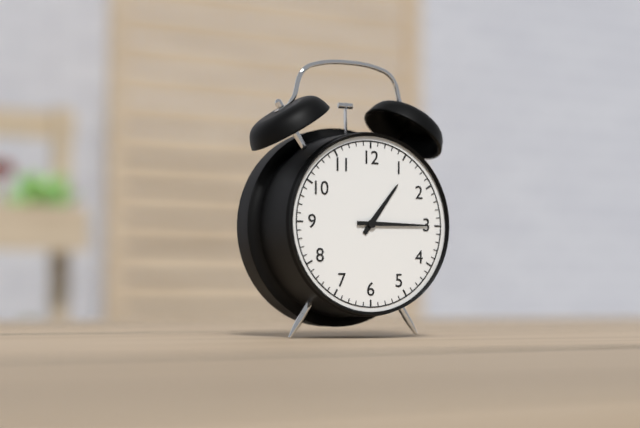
1h15
